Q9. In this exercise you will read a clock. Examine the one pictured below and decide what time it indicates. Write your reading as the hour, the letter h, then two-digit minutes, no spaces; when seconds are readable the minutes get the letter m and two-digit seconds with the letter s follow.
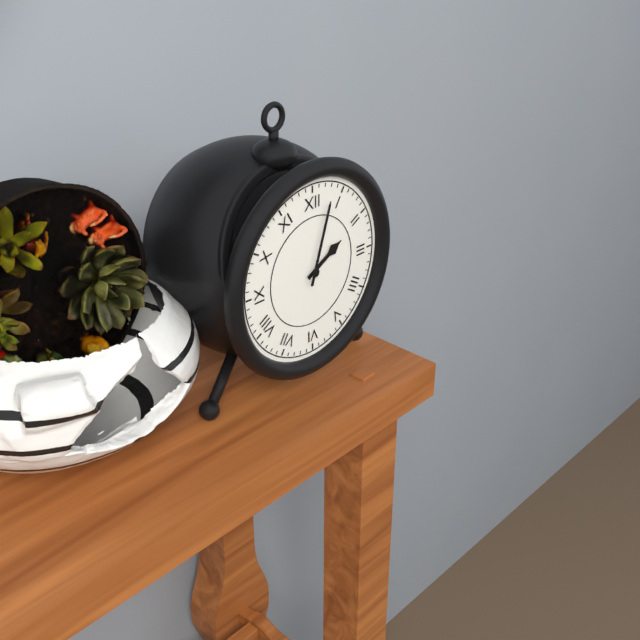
2h03
